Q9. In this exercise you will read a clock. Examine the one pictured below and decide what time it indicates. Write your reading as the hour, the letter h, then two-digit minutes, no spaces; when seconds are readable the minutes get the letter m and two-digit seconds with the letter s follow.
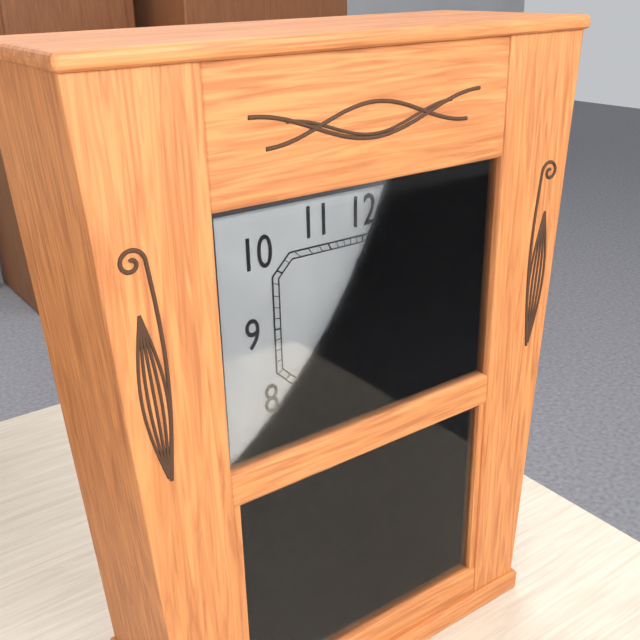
6h04
